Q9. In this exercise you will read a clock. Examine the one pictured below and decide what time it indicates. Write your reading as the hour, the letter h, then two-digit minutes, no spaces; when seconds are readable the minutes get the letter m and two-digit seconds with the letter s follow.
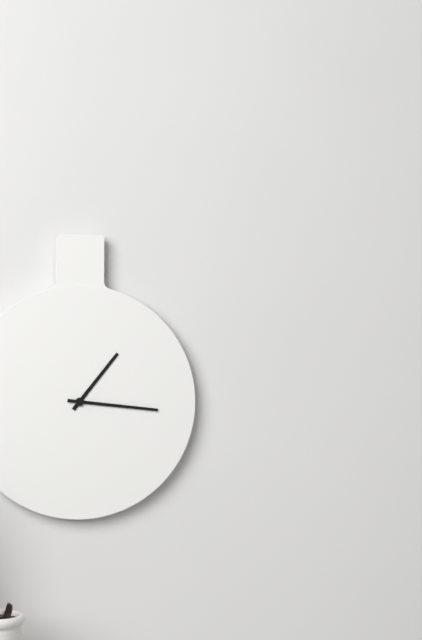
1h16
